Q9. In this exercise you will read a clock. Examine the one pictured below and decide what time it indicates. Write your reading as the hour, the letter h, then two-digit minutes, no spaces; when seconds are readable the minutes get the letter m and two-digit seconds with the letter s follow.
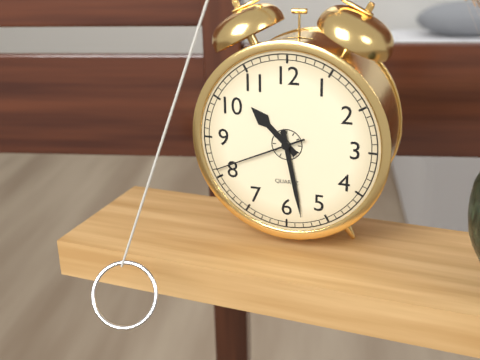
10h28m41s
